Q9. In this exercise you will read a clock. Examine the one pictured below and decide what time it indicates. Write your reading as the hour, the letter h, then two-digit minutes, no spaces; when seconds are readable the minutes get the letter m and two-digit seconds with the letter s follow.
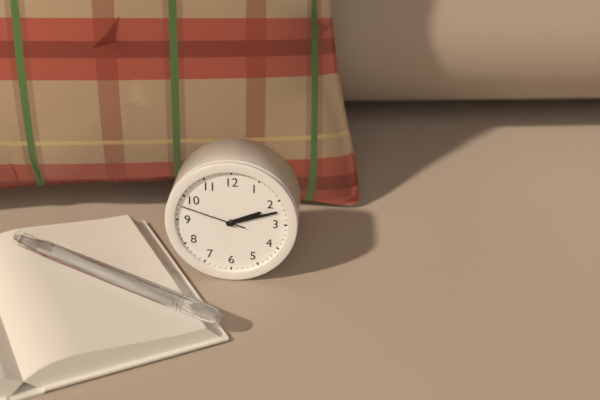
2h12m48s
